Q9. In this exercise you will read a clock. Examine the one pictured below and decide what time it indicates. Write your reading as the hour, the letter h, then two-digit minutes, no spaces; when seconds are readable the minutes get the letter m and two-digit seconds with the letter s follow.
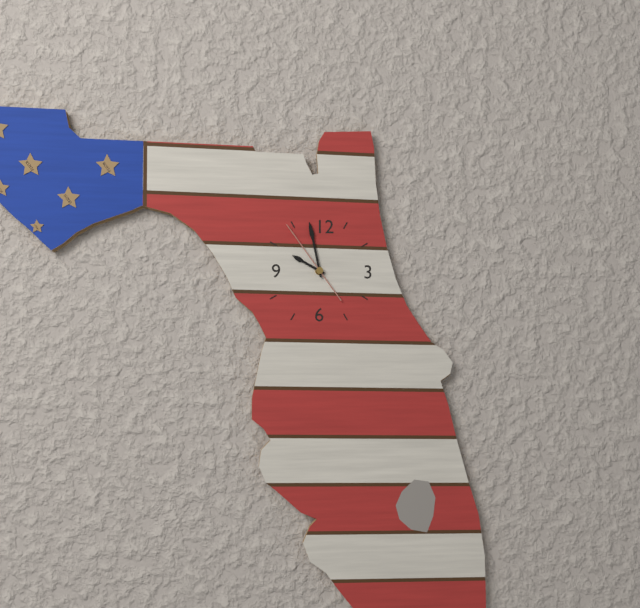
9h58m54s
